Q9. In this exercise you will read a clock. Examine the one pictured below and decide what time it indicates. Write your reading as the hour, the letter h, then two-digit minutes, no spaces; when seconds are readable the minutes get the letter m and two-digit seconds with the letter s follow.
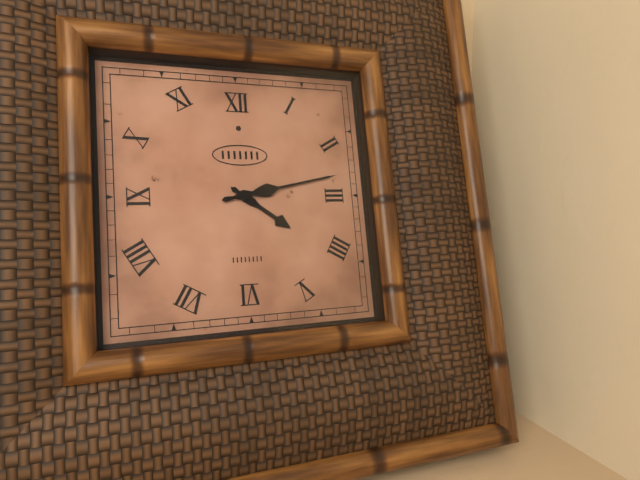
4h13
